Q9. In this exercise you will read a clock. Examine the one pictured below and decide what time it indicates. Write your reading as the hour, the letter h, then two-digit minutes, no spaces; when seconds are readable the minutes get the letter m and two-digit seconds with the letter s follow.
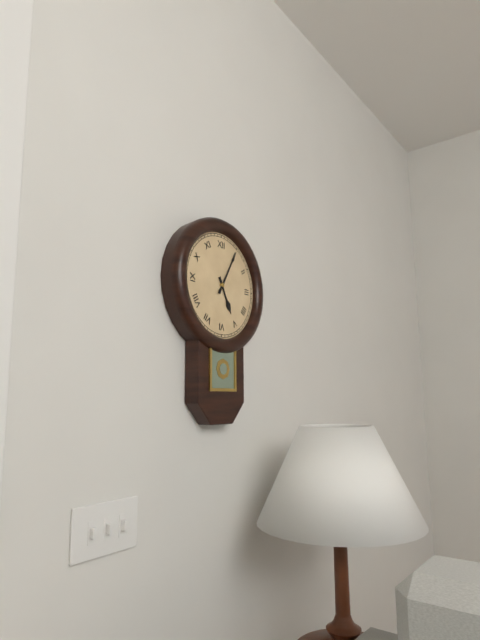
5h05
